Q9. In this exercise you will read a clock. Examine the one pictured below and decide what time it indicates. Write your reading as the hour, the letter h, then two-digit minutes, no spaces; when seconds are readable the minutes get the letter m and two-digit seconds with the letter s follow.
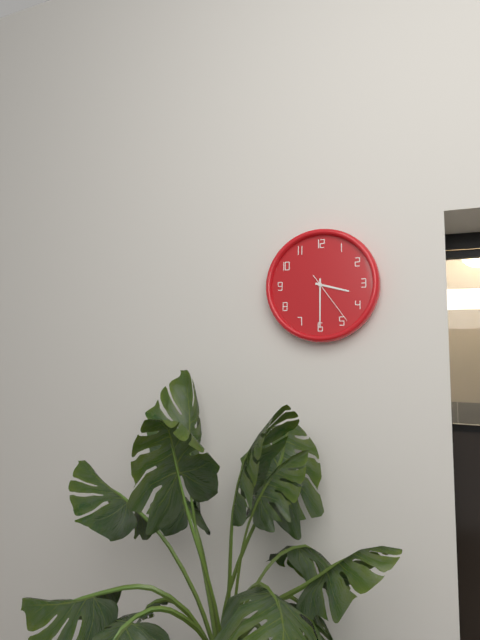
3h30m24s
